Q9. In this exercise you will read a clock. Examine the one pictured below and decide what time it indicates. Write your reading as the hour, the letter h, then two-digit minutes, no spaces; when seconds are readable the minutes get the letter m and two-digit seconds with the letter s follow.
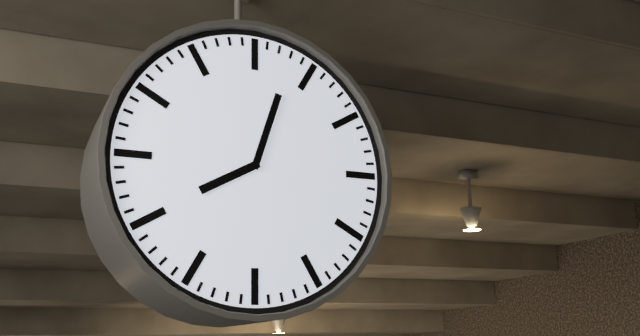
8h03
